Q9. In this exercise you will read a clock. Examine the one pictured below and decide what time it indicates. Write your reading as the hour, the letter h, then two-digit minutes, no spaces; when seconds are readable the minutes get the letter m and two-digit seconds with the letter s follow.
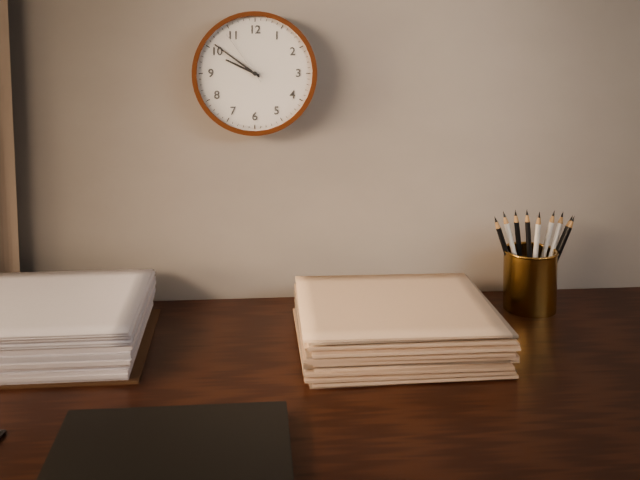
9h51m54s
